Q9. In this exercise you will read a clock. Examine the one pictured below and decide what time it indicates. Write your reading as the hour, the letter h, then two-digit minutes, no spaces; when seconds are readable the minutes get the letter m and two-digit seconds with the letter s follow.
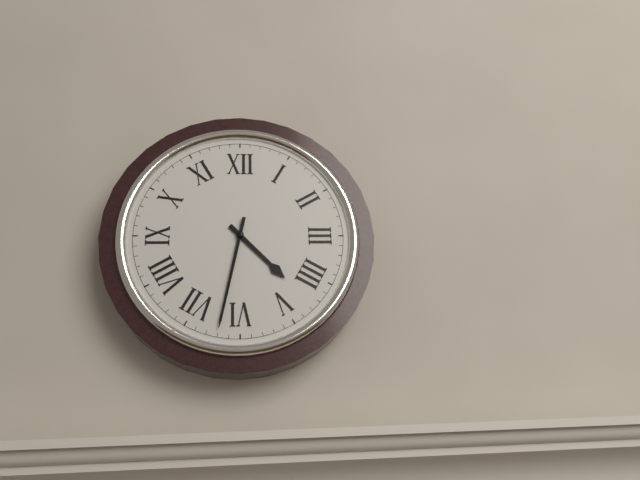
4h32
